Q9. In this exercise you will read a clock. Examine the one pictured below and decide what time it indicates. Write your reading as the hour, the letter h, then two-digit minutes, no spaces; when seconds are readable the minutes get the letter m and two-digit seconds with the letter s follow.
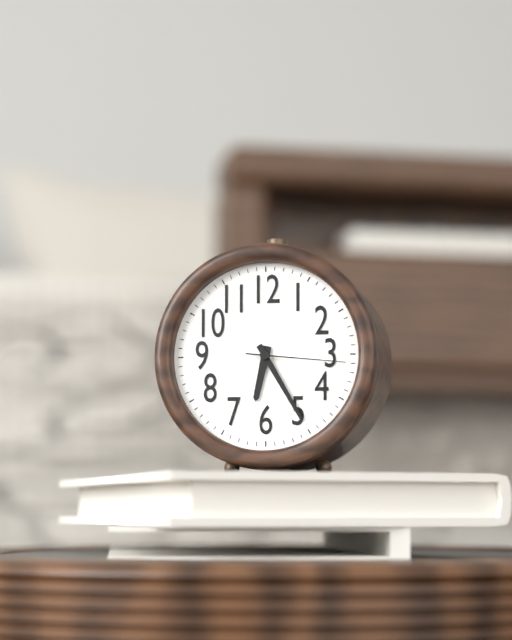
6h25m16s
